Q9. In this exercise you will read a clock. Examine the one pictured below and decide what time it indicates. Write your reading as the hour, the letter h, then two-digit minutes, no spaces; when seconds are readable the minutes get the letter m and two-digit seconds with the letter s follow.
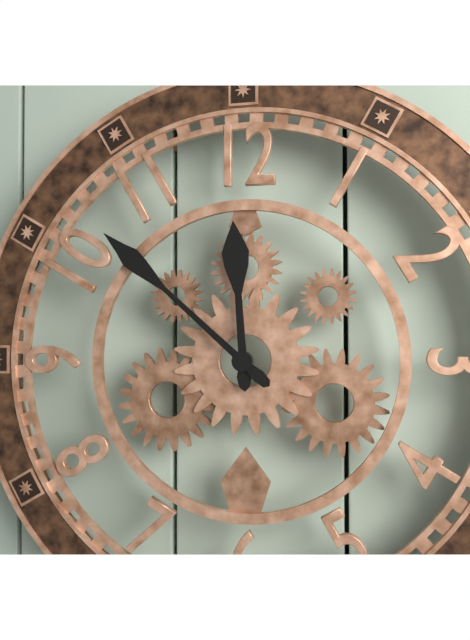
11h52
